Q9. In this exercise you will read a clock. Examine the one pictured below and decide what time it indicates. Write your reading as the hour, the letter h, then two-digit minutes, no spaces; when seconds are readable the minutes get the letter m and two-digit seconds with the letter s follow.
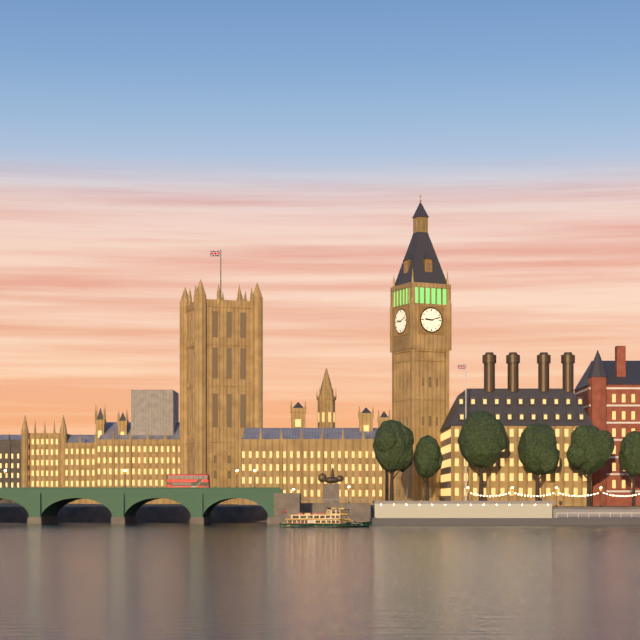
9h12
